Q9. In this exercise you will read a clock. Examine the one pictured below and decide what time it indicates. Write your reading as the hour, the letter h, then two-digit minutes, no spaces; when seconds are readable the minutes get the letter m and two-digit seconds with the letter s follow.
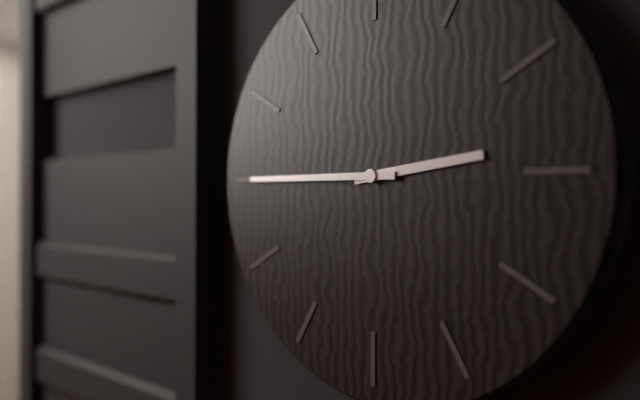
2h45
